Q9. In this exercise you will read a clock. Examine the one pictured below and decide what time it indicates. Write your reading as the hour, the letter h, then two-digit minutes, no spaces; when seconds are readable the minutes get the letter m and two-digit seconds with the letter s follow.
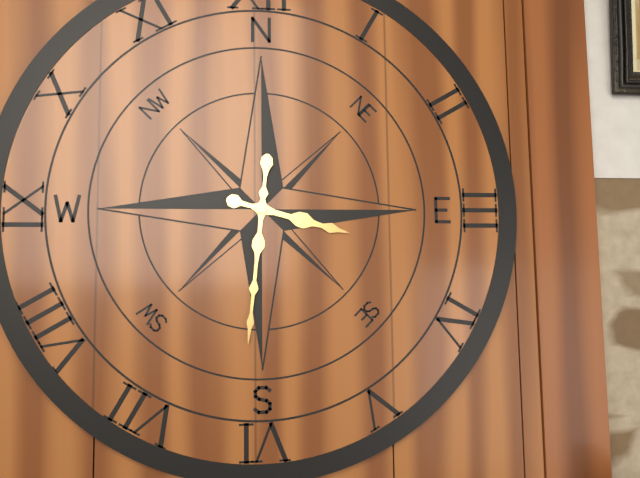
3h31
